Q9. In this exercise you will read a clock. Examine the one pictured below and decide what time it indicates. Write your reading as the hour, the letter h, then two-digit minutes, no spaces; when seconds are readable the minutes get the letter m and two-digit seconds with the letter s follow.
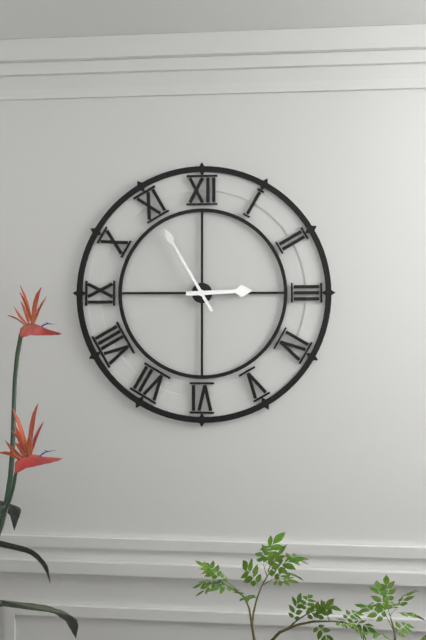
2h55
